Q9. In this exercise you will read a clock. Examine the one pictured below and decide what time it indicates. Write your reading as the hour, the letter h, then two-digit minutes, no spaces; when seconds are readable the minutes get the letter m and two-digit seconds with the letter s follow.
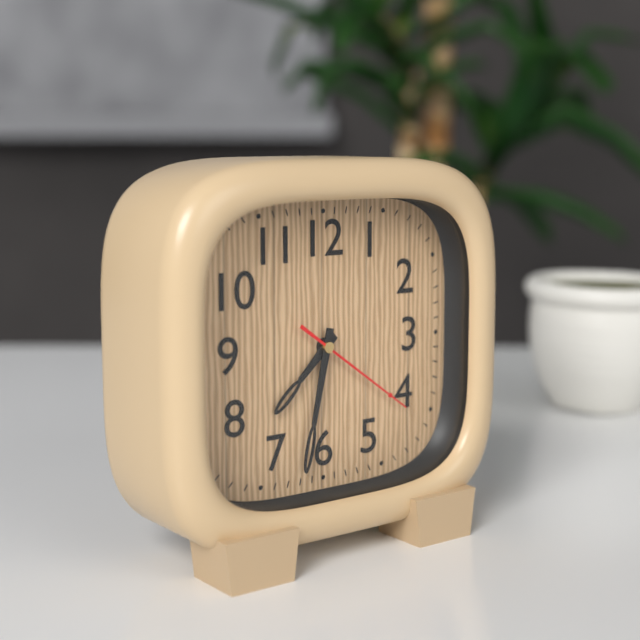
7h32m21s
